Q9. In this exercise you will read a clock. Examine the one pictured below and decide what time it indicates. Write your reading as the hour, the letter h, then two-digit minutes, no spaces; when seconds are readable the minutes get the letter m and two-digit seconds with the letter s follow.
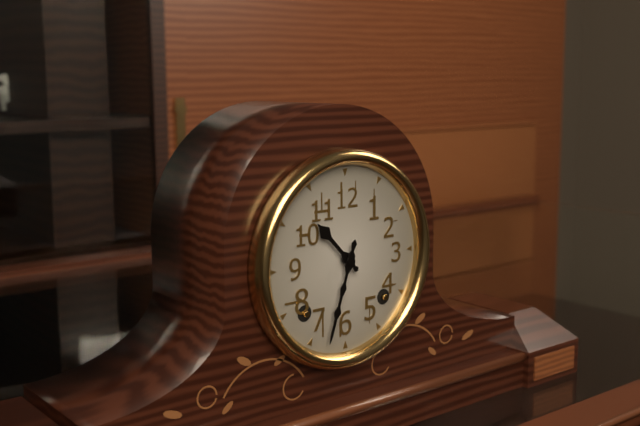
10h33
